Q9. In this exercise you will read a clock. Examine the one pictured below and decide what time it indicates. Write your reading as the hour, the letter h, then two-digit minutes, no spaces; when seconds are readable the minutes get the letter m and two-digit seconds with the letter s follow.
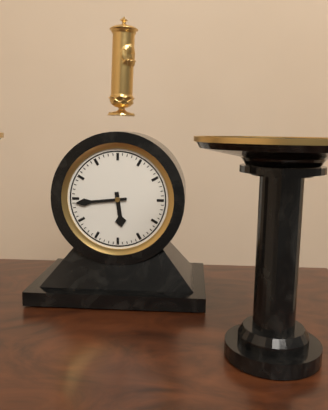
5h44
